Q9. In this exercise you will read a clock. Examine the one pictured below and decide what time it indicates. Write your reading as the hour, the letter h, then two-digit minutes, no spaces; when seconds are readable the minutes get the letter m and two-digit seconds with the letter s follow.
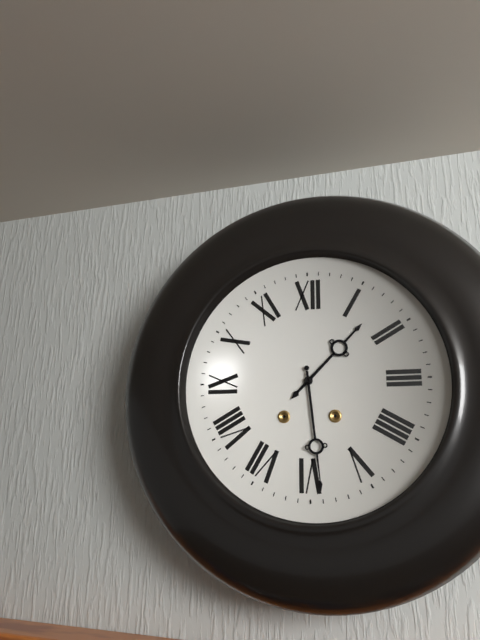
1h29
